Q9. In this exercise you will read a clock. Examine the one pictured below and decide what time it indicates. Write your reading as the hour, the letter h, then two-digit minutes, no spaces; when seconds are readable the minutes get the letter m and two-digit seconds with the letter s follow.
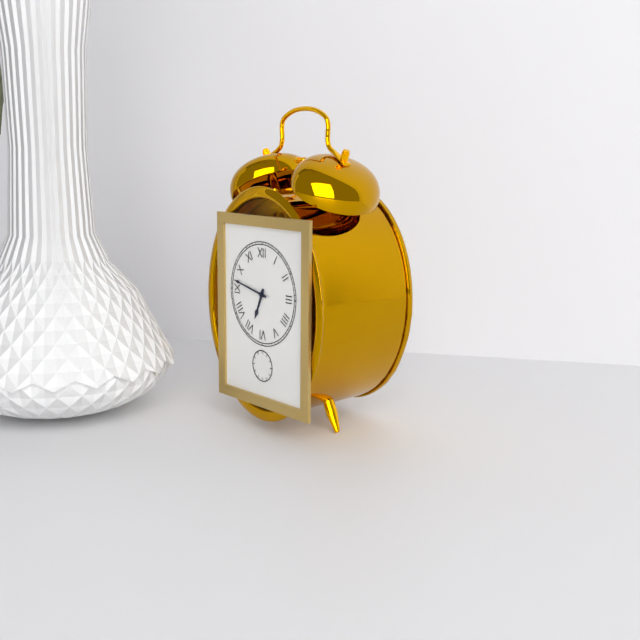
6h47
